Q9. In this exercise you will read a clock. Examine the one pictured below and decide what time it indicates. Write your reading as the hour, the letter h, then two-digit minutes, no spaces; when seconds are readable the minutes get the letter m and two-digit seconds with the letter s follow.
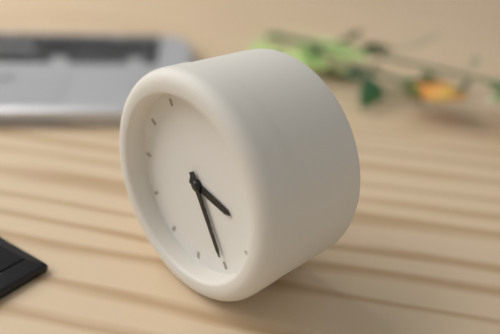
3h25
